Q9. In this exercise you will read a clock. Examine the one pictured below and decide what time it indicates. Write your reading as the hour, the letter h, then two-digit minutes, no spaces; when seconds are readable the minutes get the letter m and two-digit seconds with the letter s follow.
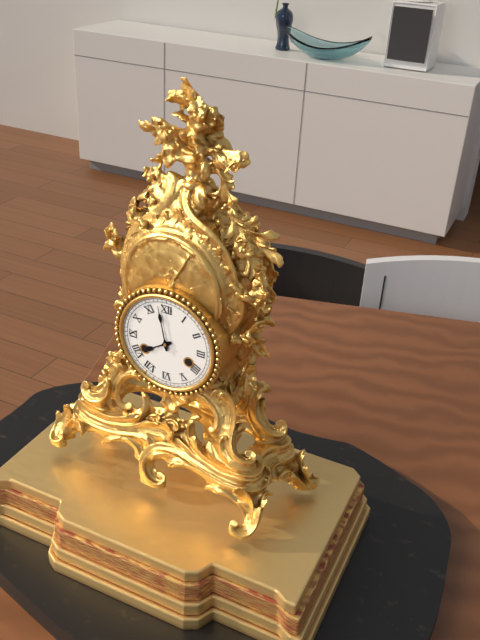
7h58
